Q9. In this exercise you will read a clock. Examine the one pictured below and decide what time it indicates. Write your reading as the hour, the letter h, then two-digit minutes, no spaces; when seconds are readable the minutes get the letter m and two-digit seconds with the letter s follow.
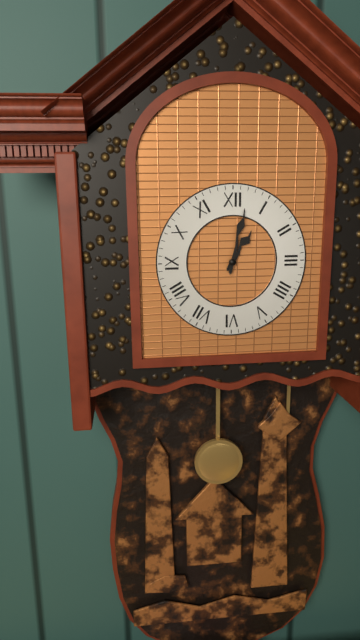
1h02
